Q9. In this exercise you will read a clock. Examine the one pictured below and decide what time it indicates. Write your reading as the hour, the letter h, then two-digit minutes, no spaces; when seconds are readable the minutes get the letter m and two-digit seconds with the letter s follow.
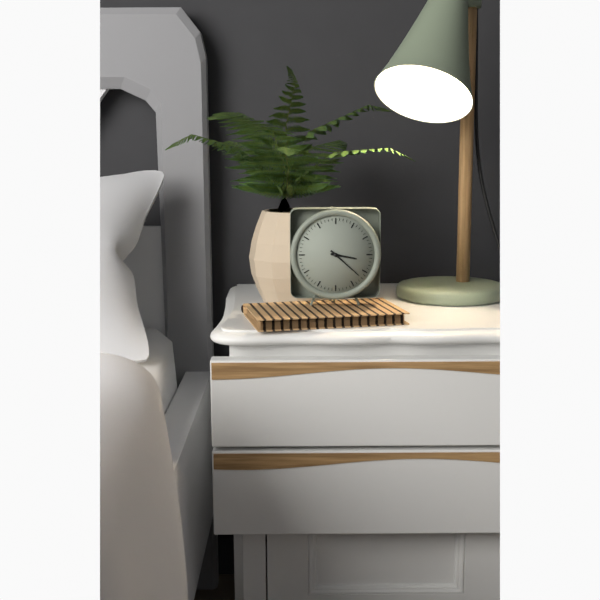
3h22
